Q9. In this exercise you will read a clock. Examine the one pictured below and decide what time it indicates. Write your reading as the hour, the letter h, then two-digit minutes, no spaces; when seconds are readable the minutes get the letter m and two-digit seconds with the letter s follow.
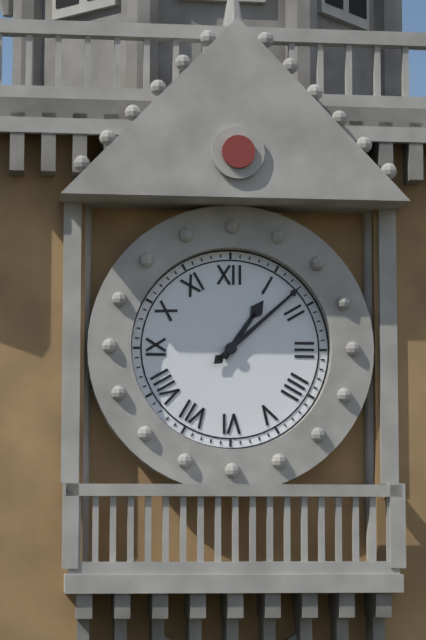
1h08
